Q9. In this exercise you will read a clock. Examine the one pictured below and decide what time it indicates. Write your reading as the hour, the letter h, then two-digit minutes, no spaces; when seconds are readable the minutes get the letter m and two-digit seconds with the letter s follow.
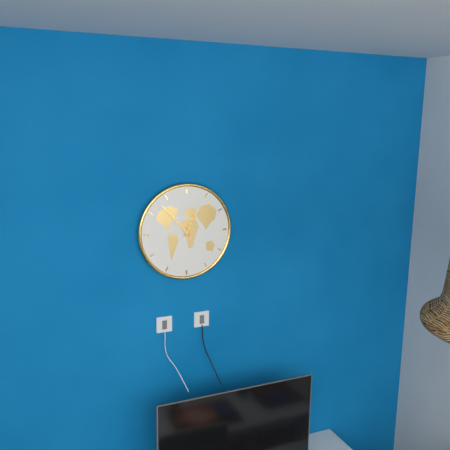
12h53
